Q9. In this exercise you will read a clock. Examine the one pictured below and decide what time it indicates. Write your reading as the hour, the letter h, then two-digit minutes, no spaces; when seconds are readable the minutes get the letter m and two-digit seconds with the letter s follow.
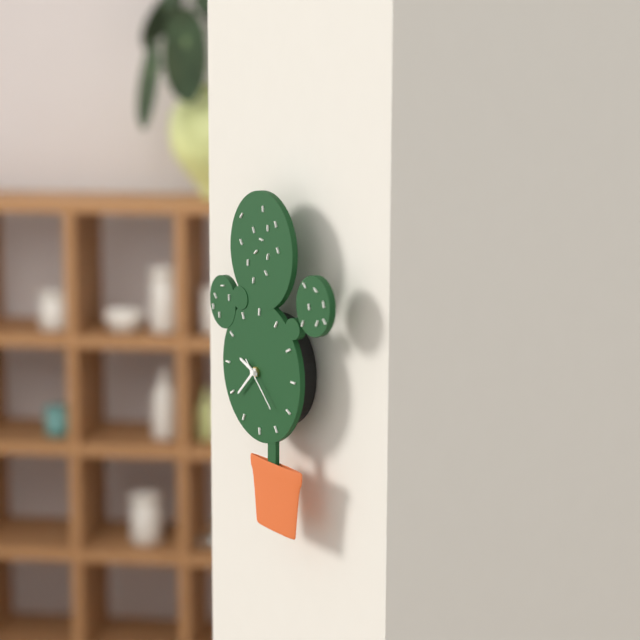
9h38m22s
